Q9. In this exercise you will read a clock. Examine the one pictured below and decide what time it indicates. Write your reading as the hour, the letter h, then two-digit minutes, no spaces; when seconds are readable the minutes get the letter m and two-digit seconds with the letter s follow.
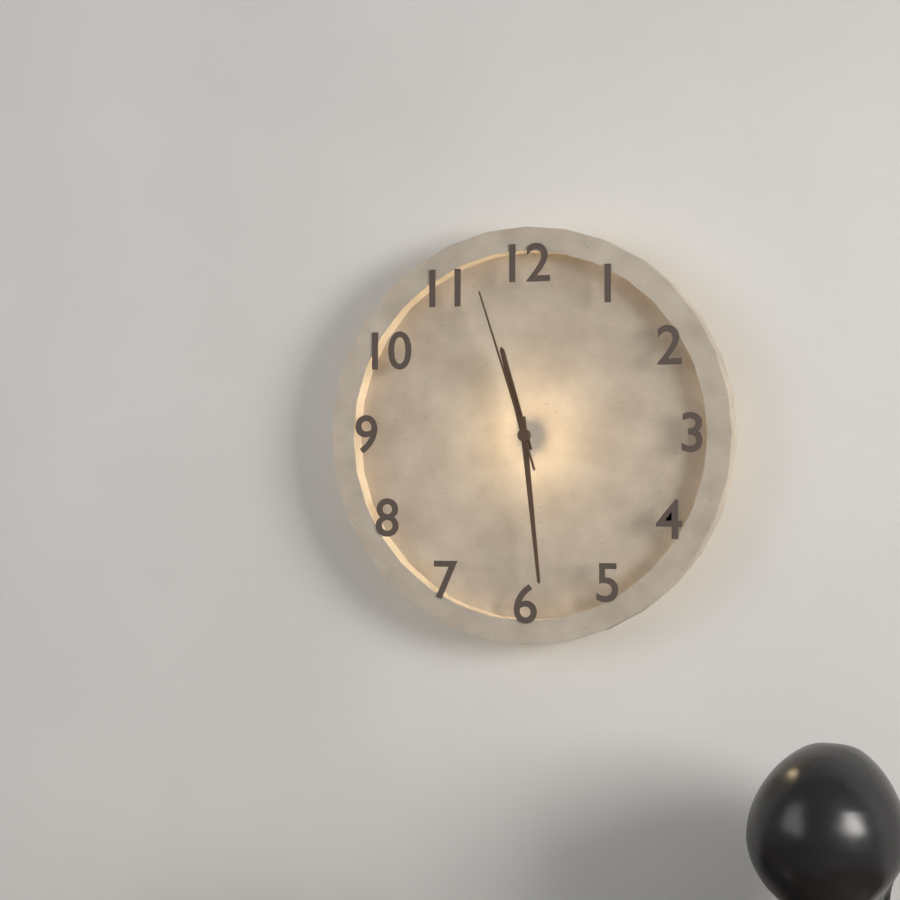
11h29m57s
